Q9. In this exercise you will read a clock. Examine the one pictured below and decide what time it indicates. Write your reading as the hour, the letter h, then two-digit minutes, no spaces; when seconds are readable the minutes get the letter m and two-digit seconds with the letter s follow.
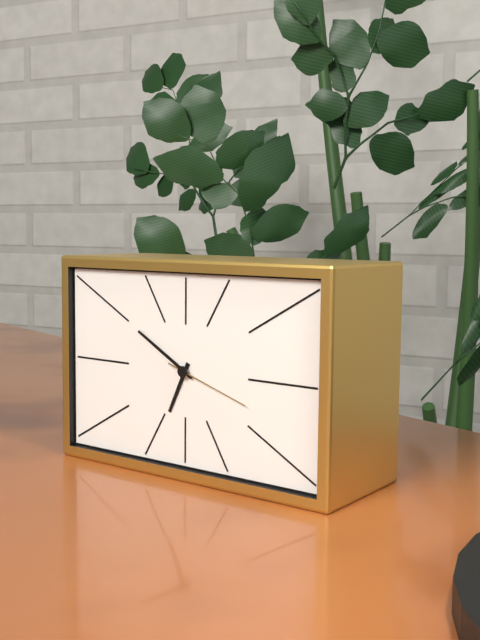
6h50m18s
